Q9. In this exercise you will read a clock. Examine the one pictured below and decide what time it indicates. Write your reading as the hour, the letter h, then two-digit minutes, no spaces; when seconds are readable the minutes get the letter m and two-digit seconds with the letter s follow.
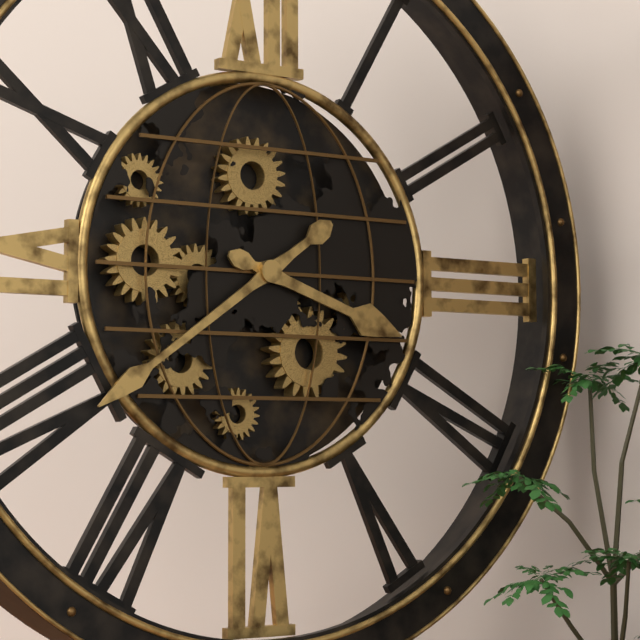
3h39
